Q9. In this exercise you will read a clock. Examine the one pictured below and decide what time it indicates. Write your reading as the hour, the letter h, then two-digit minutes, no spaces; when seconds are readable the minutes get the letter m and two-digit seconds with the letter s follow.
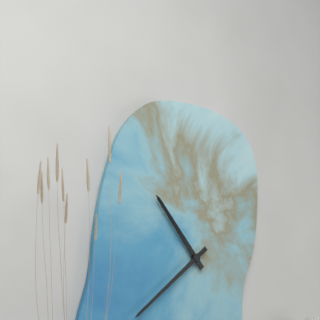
10h38
